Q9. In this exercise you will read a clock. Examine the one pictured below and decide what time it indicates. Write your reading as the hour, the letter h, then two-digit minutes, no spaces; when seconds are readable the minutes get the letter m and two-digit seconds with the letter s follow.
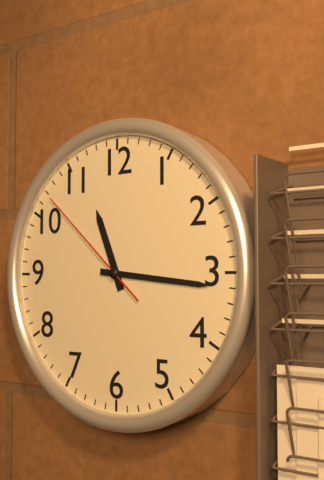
11h16m52s
